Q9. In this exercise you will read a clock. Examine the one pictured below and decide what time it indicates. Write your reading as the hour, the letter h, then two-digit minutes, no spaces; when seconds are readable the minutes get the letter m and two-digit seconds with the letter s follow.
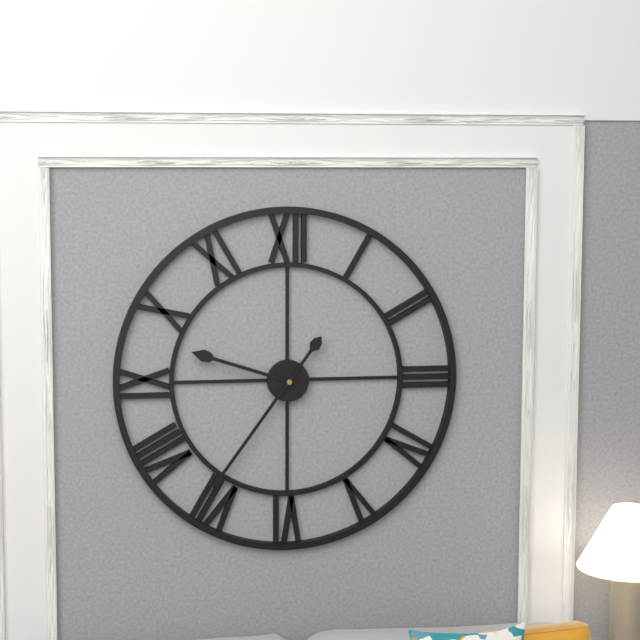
9h36
